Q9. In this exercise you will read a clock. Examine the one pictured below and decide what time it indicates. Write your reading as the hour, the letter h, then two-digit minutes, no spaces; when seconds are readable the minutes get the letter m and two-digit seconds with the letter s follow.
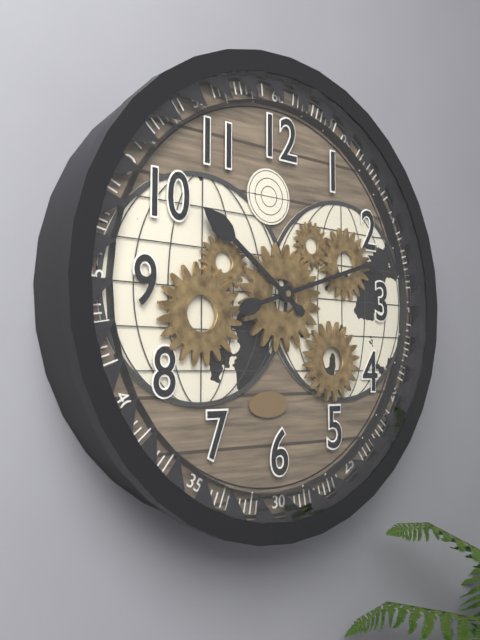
10h12
